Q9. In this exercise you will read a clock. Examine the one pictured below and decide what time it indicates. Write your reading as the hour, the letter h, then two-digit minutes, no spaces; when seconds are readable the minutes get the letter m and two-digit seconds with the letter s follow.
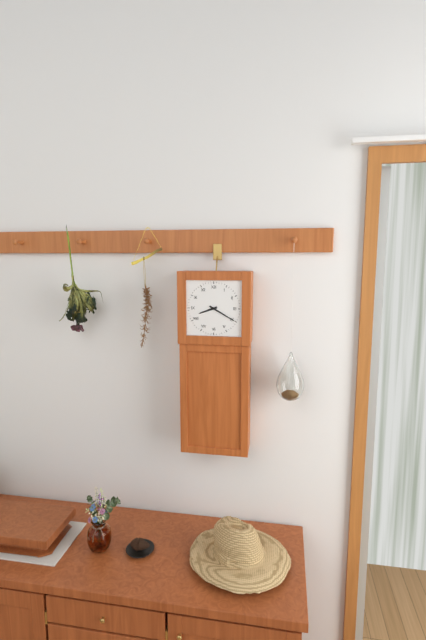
8h20
